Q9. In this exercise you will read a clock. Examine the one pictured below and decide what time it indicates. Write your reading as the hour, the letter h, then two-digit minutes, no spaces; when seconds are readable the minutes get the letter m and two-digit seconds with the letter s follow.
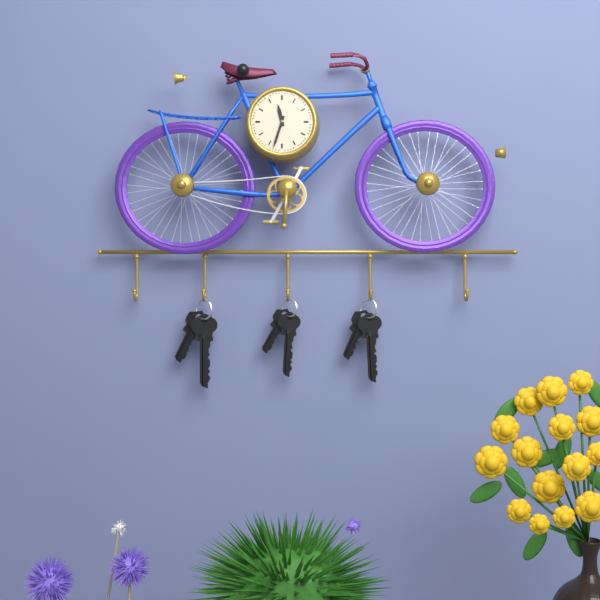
11h33
